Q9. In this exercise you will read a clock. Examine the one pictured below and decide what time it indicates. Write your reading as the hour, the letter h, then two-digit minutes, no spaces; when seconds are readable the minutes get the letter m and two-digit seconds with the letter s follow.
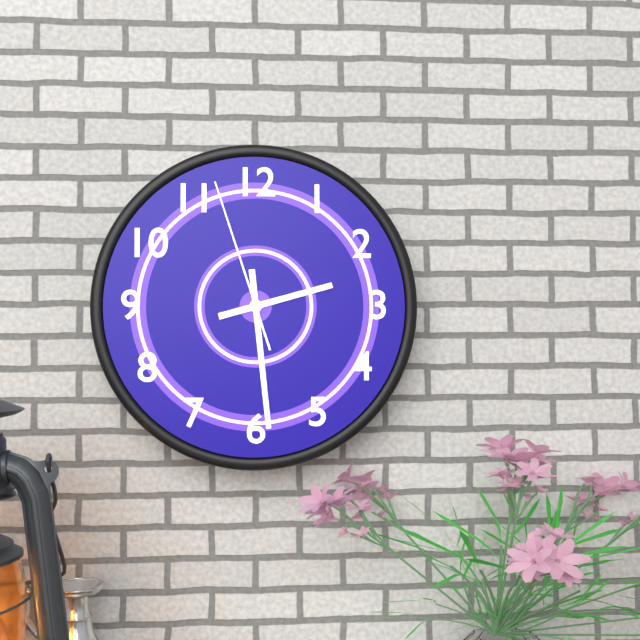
2h29m57s
